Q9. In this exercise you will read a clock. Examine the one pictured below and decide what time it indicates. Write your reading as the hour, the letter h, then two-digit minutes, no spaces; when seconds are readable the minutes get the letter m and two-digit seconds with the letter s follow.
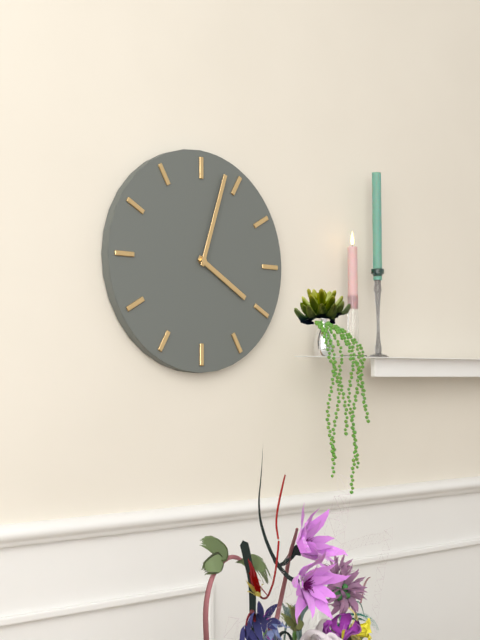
4h03
